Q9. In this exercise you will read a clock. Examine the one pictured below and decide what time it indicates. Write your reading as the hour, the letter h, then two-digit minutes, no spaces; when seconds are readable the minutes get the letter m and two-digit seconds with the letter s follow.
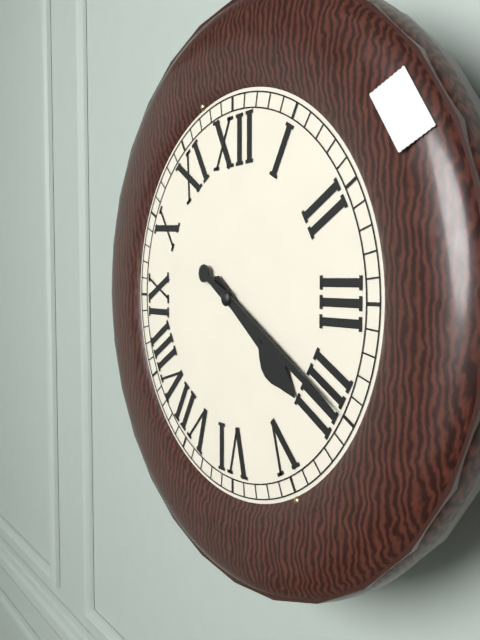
4h20
